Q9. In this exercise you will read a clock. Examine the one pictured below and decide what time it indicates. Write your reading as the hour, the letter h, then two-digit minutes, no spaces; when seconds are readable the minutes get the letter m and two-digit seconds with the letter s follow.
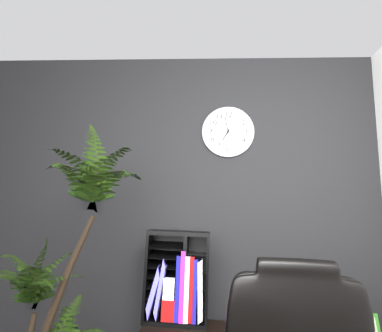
6h58
